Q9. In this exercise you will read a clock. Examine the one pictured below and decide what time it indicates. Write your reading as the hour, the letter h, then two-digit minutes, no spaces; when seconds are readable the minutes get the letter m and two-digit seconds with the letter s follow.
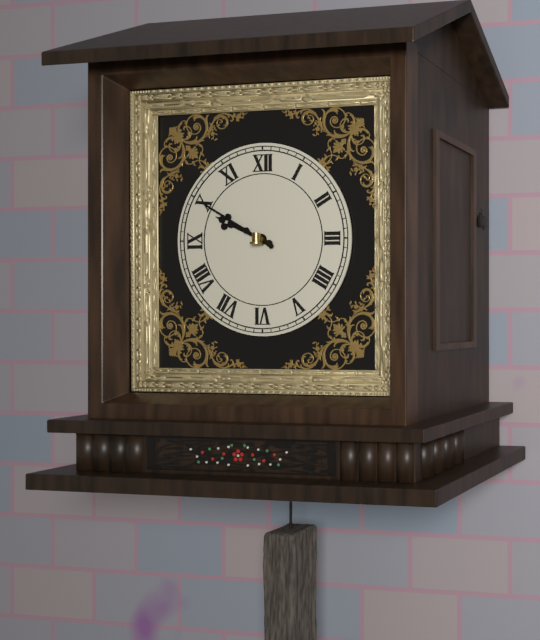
9h50
